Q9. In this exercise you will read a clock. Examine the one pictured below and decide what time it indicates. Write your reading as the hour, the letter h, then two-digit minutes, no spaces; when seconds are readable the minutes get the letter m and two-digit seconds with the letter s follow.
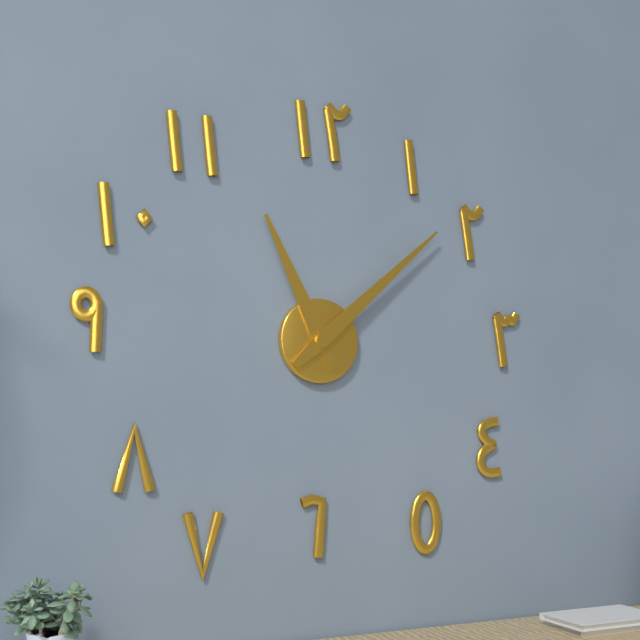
11h08
